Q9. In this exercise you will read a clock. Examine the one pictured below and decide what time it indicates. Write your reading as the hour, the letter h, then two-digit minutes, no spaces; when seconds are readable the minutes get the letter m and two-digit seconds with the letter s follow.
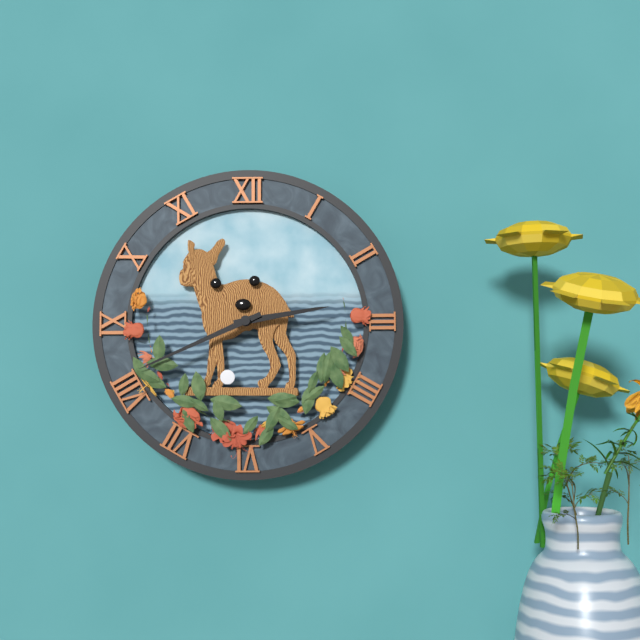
2h41
